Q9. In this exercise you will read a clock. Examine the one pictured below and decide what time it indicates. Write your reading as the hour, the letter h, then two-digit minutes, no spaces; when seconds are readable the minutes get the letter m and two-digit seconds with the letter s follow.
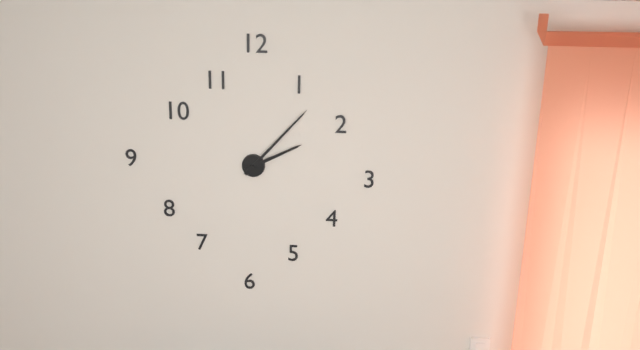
2h07
